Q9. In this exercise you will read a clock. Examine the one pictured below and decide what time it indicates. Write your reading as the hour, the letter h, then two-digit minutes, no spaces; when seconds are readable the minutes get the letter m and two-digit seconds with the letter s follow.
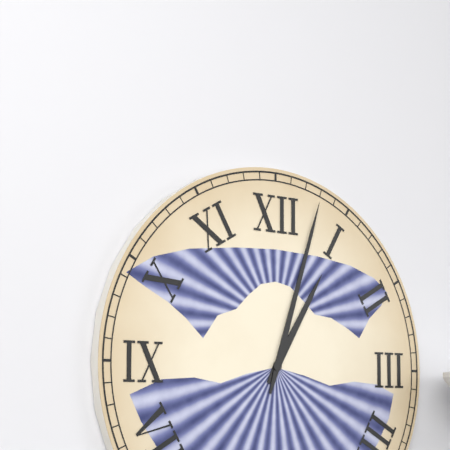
1h03
